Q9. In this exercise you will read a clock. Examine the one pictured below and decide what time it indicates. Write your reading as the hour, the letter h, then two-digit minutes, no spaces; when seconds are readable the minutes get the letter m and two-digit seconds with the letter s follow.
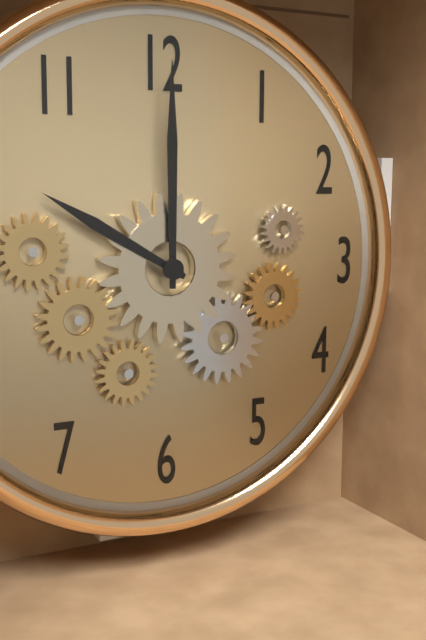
10h00
